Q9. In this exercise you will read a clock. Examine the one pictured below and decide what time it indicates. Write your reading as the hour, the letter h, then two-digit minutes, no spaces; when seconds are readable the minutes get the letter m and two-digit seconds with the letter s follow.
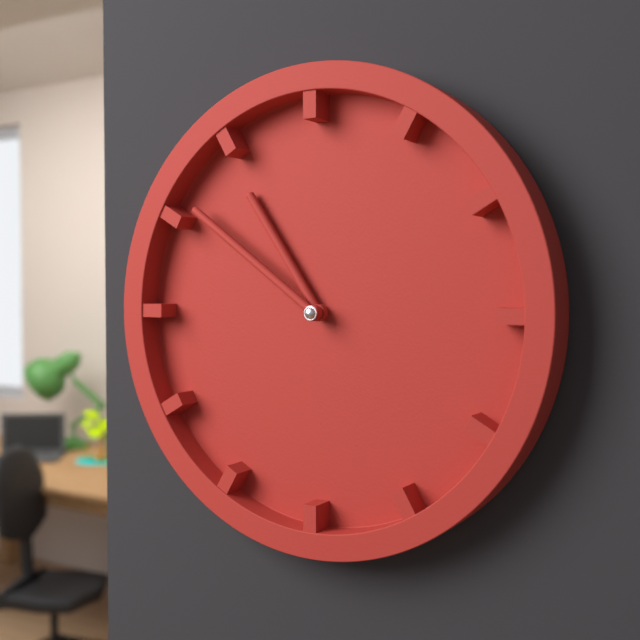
10h51
